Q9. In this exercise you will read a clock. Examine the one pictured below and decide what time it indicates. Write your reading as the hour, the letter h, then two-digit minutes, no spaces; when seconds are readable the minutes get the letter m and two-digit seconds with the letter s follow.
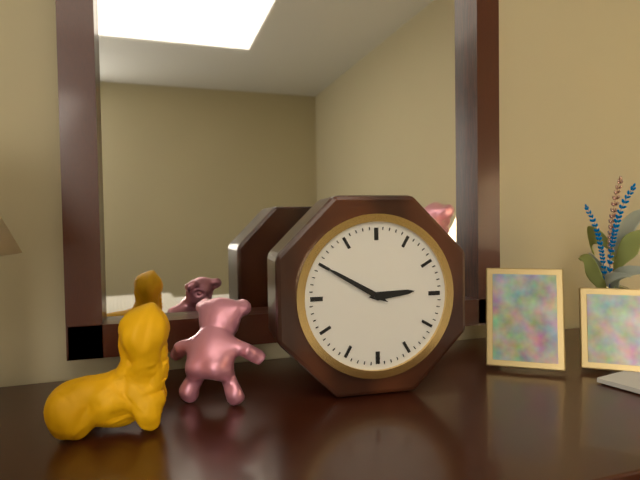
2h50
